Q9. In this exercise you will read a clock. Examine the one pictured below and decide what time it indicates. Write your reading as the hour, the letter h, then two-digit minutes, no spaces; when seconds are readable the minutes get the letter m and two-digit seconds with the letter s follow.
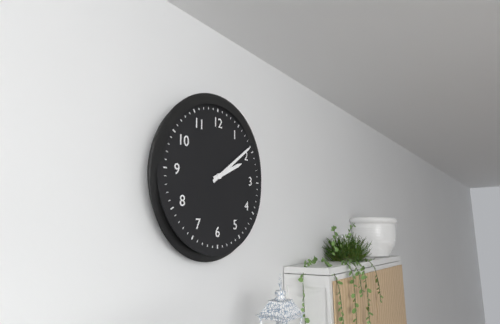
2h09
